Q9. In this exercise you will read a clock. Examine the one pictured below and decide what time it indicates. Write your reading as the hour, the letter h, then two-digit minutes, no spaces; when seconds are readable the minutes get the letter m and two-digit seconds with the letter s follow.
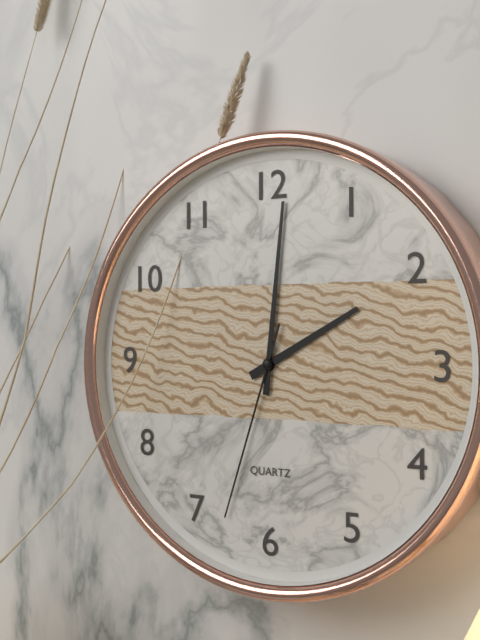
2h01m33s
